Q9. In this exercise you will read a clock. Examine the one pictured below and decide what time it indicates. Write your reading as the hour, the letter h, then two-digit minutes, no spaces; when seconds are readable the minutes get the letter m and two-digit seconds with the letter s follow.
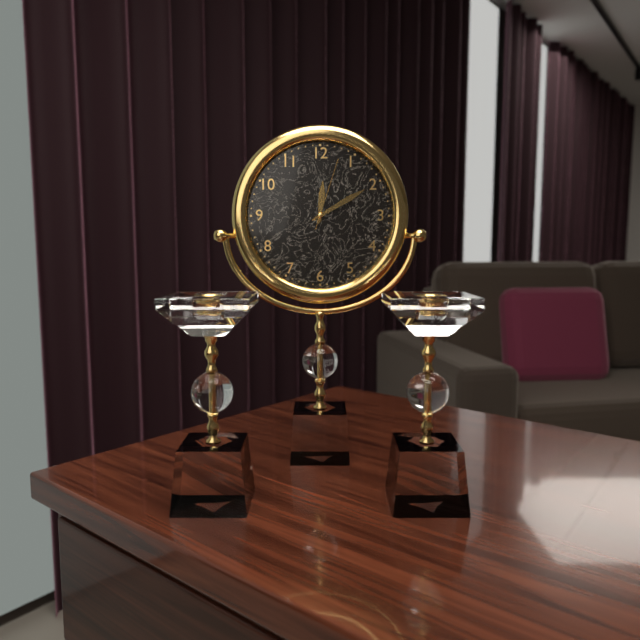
12h10m03s
